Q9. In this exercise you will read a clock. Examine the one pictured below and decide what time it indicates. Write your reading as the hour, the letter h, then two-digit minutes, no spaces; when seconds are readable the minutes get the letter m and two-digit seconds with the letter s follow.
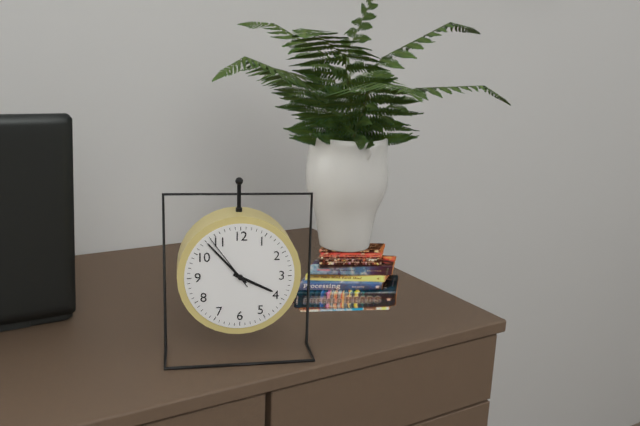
3h53m54s
